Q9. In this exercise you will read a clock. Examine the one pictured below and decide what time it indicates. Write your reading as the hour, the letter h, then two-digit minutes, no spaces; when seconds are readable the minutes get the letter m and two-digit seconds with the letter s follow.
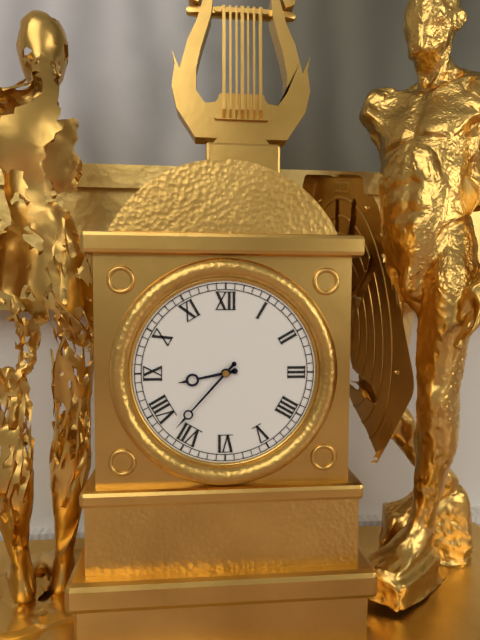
8h37
